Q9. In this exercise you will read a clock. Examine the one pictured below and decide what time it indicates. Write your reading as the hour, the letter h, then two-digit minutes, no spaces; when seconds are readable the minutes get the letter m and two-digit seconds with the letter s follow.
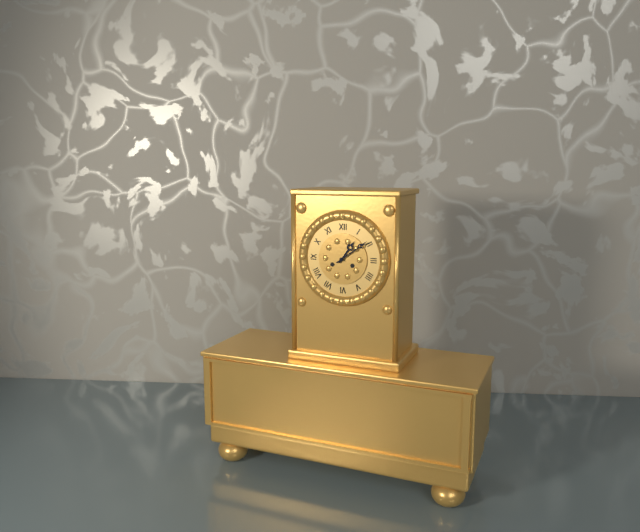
1h09
